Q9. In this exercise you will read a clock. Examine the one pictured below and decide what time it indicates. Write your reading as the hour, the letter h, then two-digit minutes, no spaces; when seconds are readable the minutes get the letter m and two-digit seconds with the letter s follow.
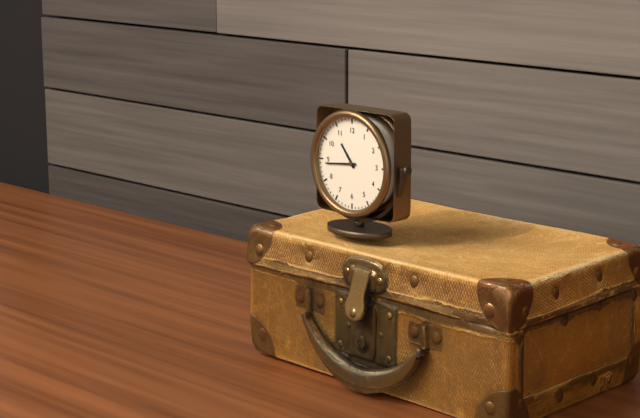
10h44
